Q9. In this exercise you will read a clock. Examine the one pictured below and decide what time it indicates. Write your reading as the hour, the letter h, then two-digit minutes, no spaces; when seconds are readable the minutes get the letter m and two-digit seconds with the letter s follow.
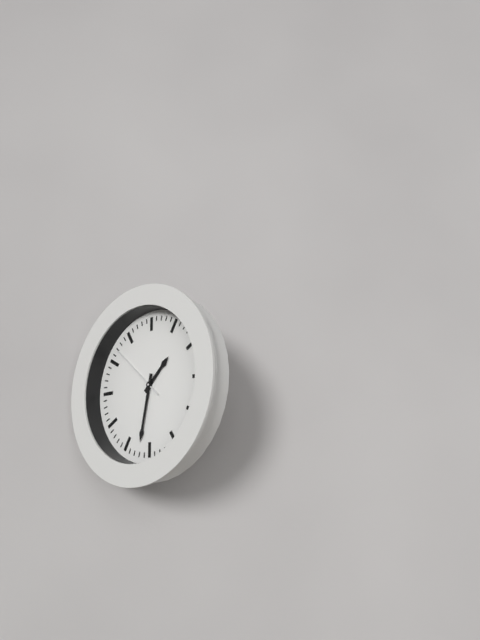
1h32m52s
